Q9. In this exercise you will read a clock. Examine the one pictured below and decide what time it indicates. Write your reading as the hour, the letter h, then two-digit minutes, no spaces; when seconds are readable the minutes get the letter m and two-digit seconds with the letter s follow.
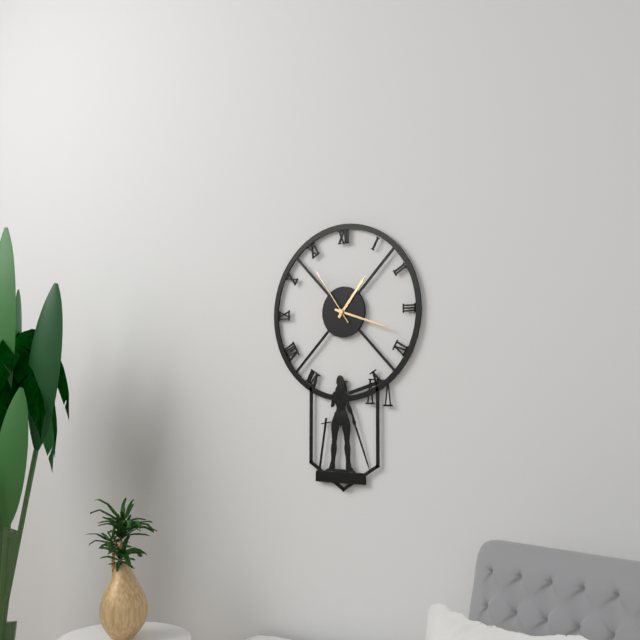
1h18m54s
